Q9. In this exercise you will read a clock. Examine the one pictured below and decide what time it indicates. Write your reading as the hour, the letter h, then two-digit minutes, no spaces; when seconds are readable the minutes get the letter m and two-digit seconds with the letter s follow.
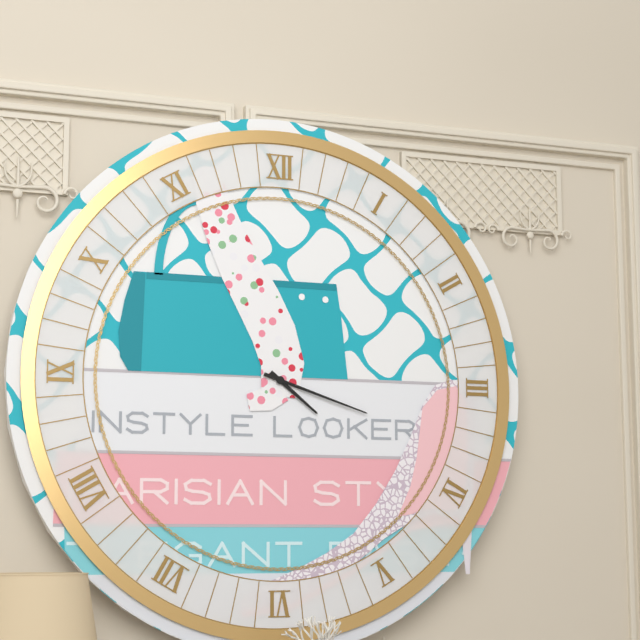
4h18
